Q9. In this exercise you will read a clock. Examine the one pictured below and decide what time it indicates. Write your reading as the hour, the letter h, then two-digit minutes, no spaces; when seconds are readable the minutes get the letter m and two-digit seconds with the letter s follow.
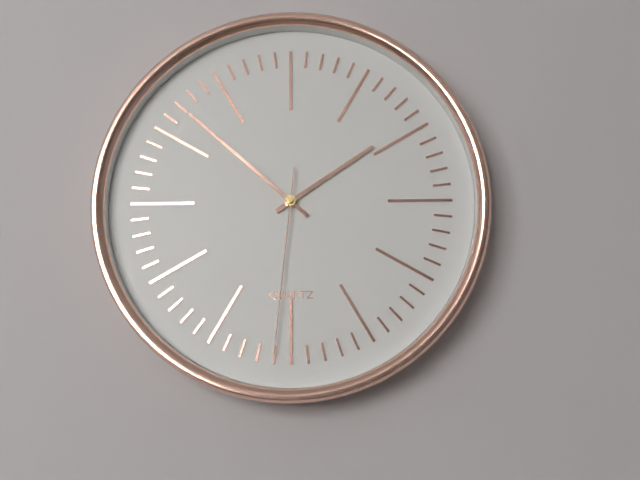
1h52m31s
